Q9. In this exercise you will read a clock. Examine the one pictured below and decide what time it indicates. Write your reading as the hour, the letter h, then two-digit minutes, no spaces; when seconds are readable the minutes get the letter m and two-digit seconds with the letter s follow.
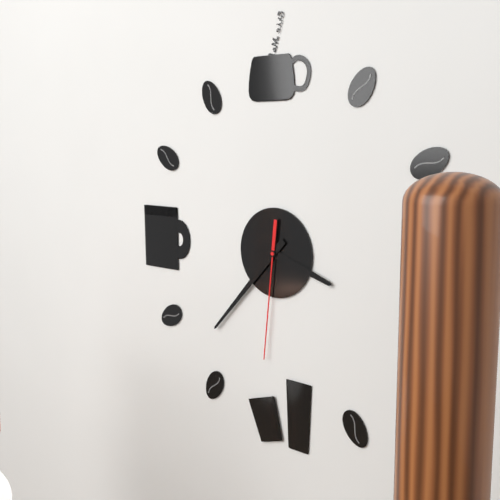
3h37m31s
